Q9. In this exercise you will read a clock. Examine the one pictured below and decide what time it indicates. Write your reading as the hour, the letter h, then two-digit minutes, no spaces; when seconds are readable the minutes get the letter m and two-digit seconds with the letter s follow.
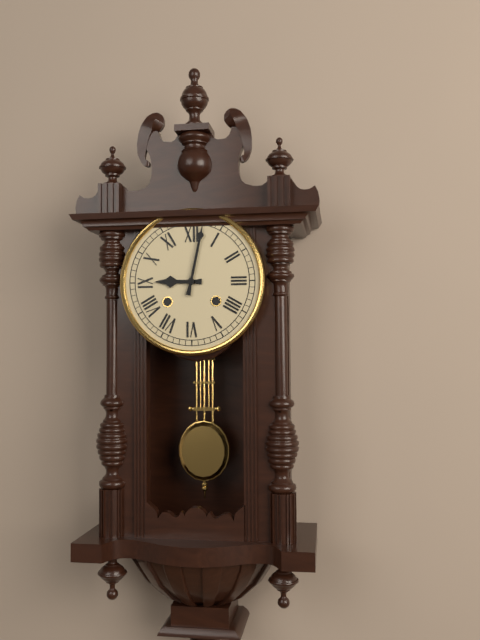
9h02
